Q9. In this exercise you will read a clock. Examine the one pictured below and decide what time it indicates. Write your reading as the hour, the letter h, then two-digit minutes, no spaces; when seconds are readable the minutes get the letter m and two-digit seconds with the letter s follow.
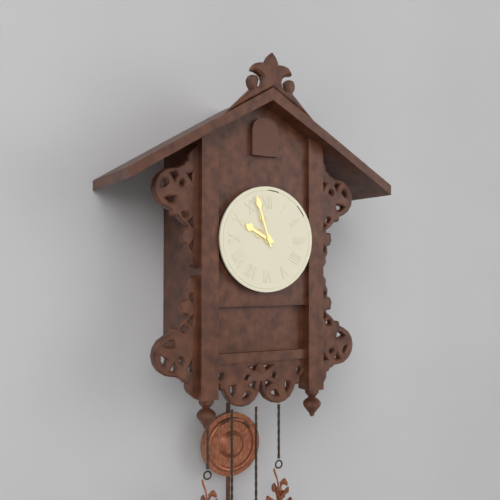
9h57
